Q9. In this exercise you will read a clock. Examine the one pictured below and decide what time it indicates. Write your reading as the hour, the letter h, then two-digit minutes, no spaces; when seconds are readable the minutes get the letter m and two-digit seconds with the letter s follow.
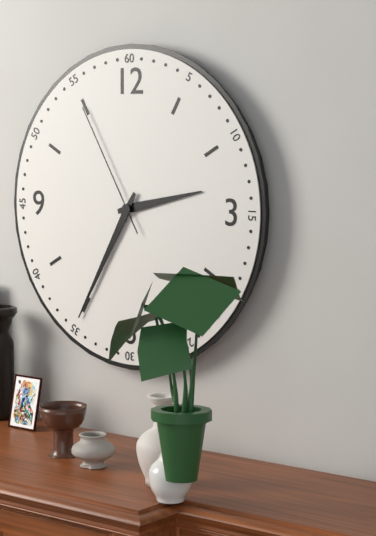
2h35m55s
